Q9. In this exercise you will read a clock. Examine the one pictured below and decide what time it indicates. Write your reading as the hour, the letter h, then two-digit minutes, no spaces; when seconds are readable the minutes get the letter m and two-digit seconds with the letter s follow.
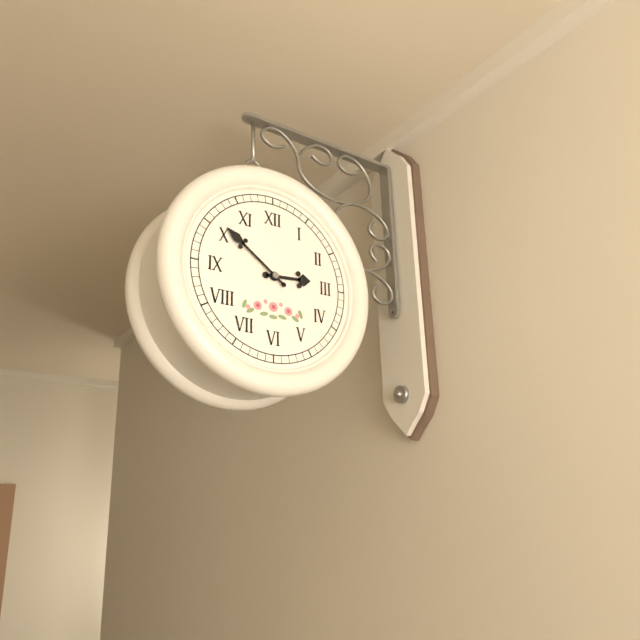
2h51
